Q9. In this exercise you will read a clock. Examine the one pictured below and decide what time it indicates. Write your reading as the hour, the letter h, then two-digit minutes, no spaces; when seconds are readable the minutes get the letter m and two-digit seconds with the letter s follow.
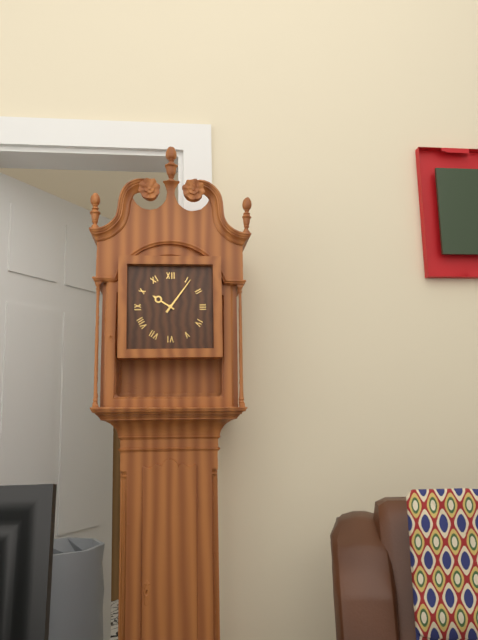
10h06
